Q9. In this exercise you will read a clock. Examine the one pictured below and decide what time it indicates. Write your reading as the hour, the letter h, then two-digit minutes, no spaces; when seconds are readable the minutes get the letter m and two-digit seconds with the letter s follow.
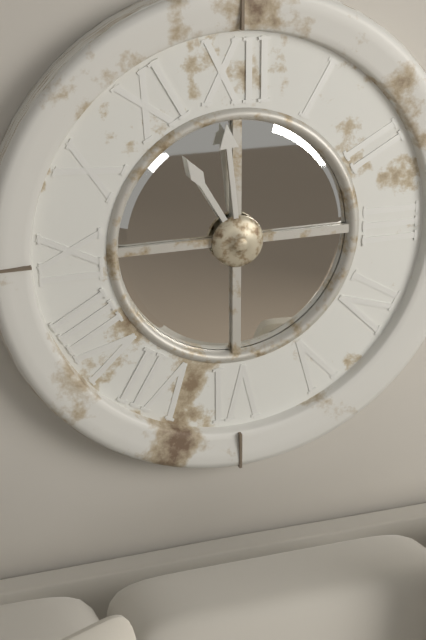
10h59
